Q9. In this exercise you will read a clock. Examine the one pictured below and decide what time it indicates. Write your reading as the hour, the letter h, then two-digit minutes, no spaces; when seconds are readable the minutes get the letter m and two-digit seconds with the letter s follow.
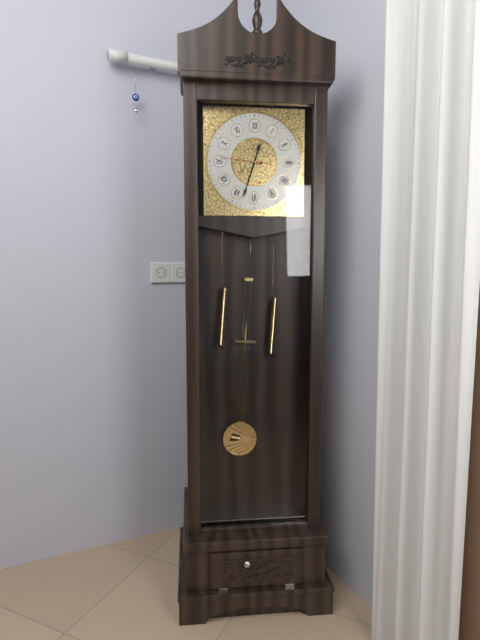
12h33
